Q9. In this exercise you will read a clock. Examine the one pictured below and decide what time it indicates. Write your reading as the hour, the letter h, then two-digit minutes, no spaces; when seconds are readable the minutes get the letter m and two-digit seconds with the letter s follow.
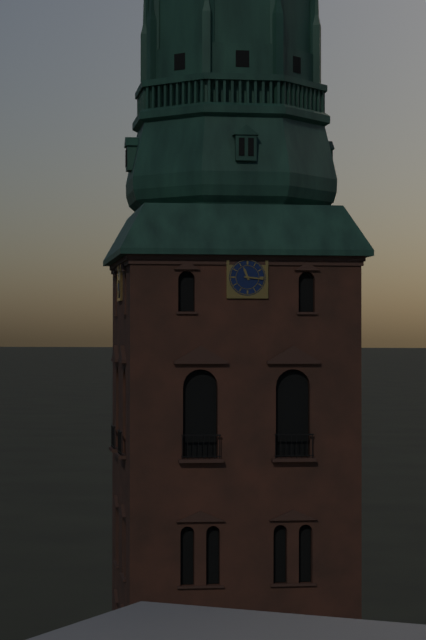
11h16
